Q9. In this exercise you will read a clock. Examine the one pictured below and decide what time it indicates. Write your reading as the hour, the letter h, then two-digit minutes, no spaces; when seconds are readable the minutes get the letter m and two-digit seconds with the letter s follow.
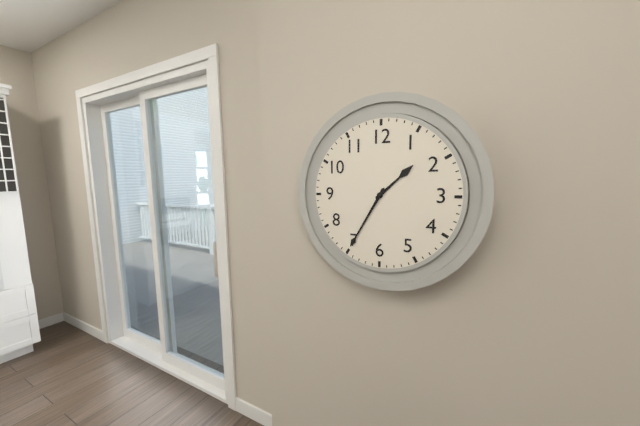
1h35
